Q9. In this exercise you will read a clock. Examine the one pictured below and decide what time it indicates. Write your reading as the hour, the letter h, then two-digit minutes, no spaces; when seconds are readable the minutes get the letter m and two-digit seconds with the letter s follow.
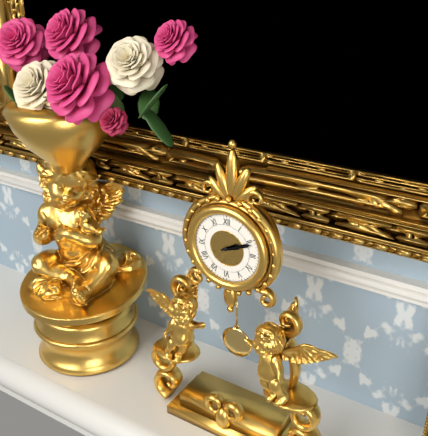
2h11
